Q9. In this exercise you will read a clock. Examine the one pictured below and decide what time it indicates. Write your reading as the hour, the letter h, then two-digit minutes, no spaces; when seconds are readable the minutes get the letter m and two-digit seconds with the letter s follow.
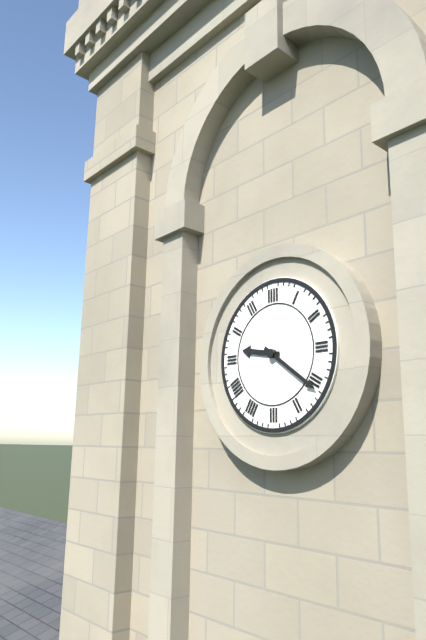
9h21
